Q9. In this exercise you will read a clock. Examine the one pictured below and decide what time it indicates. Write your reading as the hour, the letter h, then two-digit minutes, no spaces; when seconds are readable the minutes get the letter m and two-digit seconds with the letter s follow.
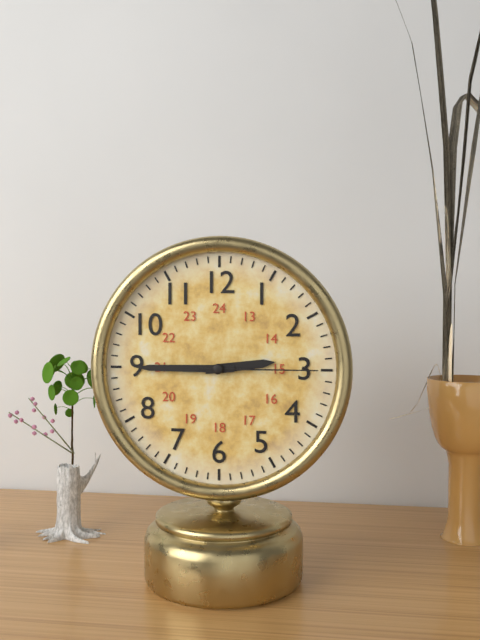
2h45m15s
